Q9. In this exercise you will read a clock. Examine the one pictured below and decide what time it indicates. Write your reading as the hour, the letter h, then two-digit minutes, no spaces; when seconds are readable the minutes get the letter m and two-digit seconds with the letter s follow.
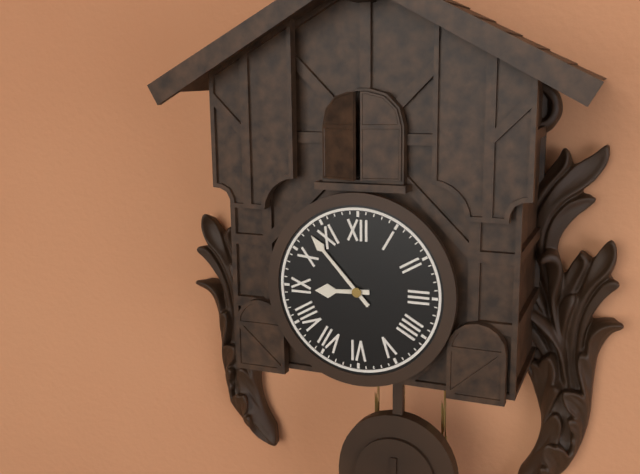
8h53
